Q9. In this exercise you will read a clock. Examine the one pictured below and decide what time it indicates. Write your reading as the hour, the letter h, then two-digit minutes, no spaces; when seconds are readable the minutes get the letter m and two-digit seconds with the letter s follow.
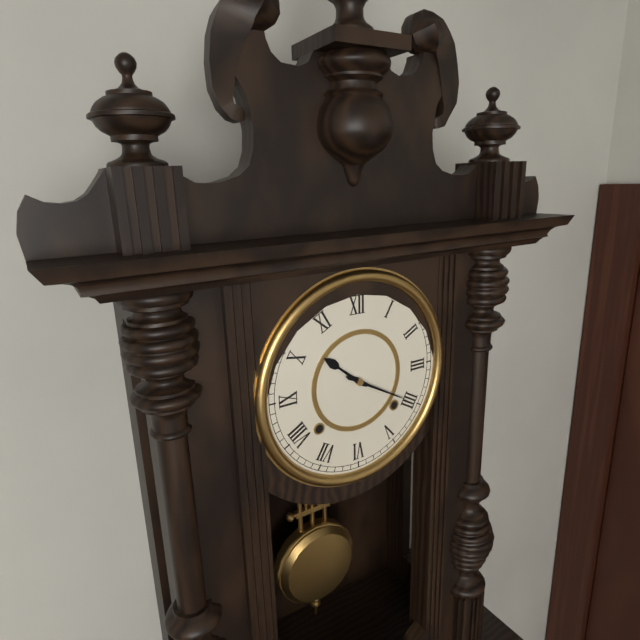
10h20
